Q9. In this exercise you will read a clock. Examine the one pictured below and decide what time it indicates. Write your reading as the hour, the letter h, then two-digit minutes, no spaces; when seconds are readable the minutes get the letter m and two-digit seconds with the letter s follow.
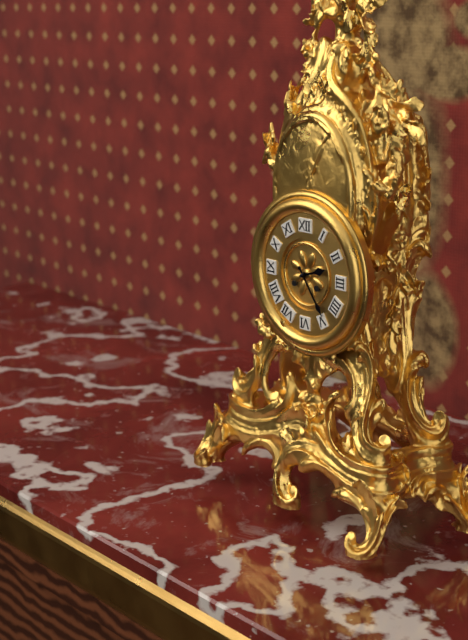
2h24
